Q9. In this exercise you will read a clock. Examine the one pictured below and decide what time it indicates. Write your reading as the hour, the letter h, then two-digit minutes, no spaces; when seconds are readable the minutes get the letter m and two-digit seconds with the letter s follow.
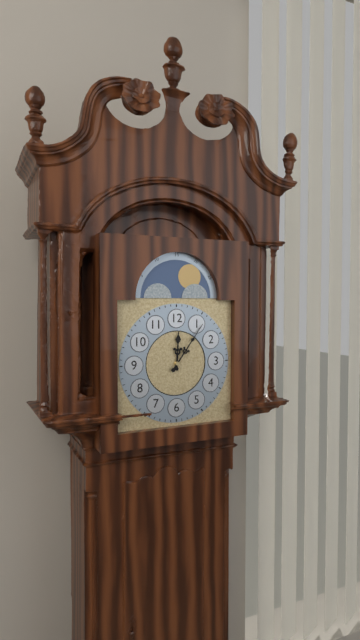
12h06
